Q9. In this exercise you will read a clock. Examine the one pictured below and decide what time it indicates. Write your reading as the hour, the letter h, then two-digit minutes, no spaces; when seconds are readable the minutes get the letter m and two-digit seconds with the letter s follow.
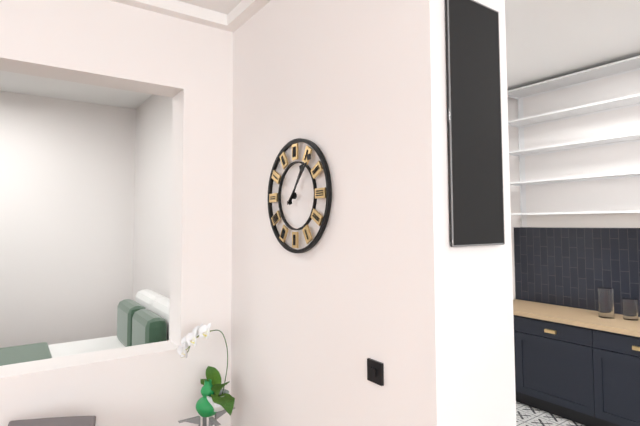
1h07
